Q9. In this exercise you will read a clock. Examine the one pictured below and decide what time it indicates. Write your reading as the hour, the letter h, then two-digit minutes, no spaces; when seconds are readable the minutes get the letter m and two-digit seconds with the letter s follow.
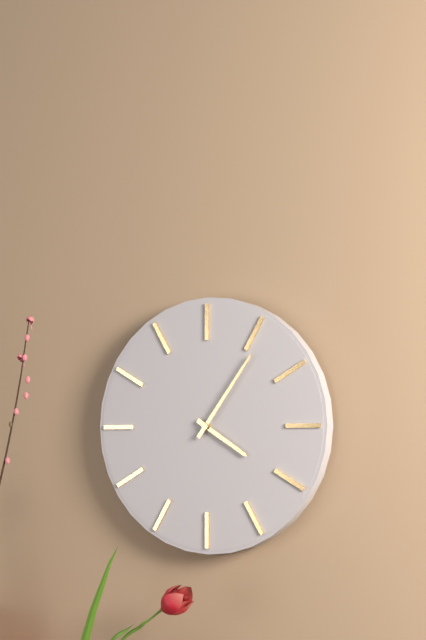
4h06
